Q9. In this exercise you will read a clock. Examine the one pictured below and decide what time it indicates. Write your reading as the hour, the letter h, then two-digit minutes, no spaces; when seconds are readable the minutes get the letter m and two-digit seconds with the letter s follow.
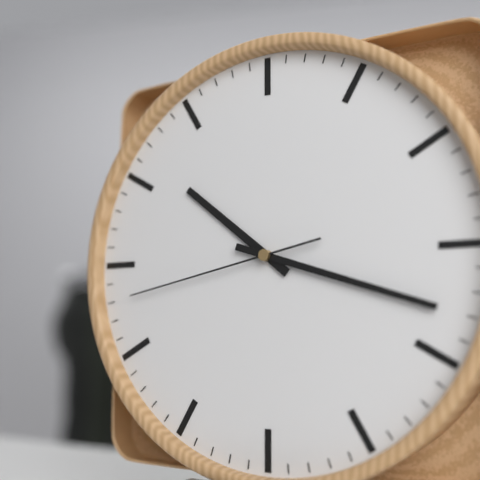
10h18m43s
